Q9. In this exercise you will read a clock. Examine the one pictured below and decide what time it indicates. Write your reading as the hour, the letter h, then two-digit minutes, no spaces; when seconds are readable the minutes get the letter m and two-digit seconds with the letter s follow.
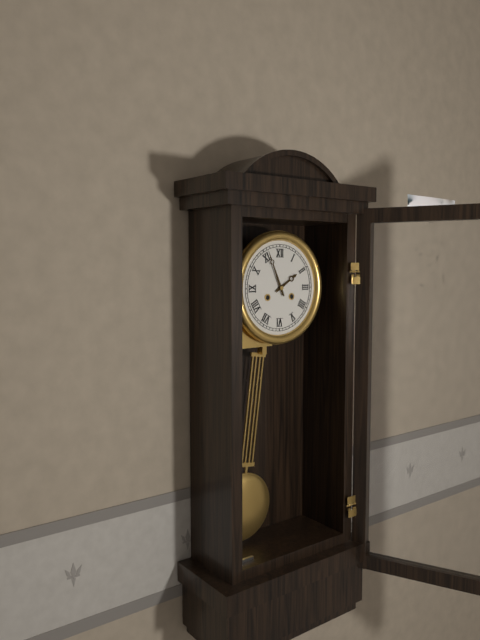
1h56
